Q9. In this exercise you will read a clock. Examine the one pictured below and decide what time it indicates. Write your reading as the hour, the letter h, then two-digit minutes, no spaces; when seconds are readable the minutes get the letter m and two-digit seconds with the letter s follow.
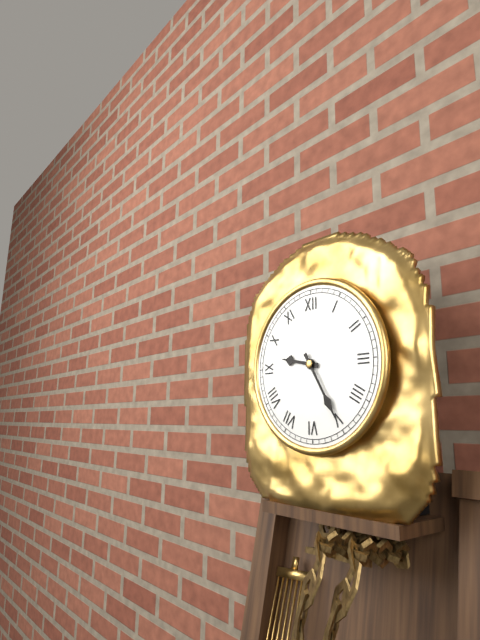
9h25
